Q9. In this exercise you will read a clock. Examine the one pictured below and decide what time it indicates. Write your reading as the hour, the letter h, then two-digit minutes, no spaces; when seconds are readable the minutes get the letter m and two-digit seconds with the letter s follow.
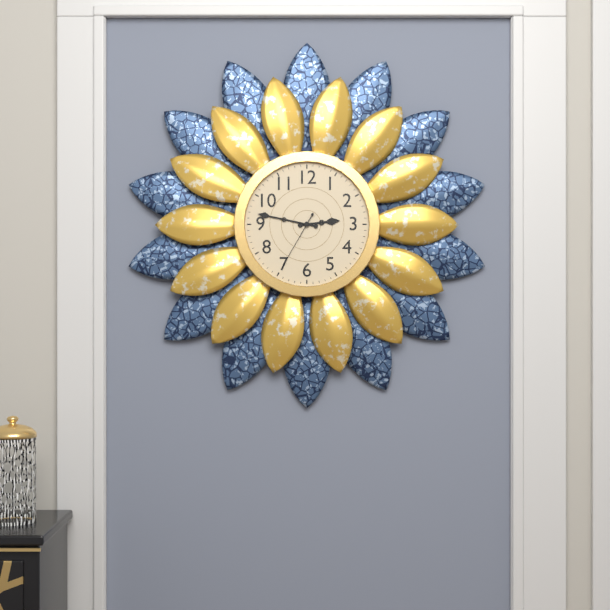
2h47m35s
